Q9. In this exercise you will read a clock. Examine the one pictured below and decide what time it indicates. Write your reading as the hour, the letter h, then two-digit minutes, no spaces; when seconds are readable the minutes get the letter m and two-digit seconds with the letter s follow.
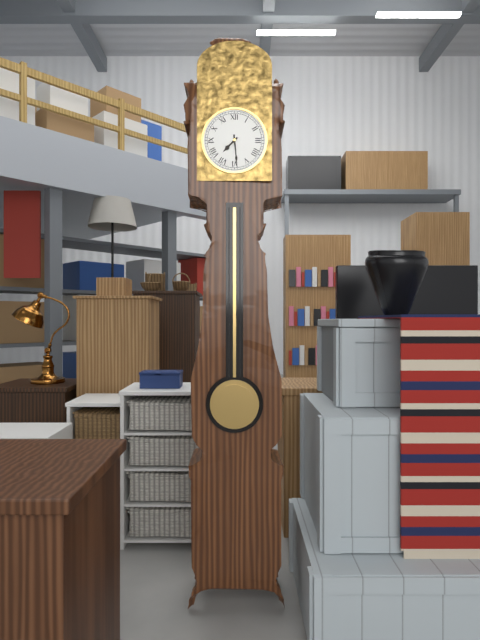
7h29
